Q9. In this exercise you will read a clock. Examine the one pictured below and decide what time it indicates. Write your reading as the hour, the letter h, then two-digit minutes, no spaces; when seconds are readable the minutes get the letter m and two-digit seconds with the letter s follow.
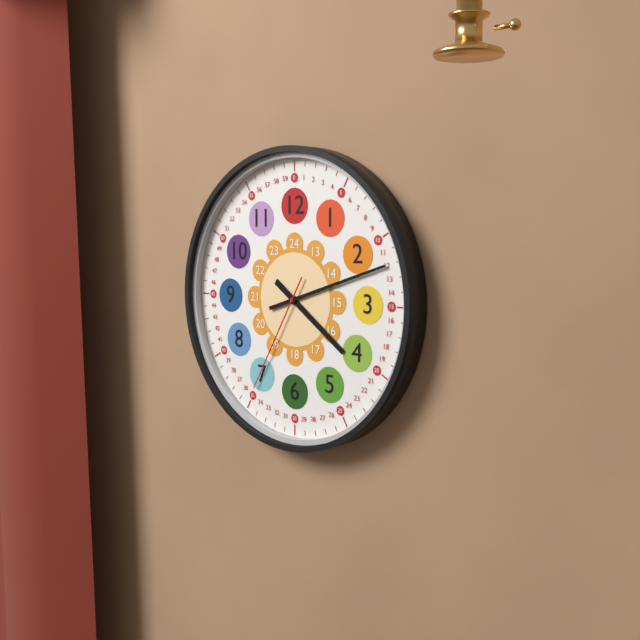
4h12m35s
